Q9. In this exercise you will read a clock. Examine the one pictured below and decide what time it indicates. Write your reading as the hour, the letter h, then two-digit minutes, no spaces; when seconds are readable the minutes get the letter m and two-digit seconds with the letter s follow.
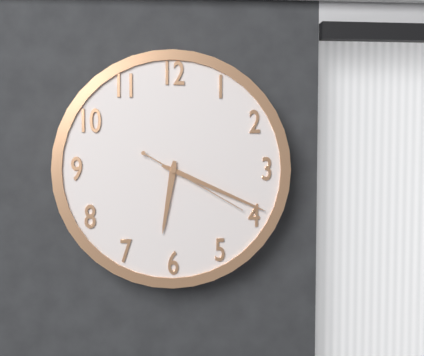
6h19m20s
